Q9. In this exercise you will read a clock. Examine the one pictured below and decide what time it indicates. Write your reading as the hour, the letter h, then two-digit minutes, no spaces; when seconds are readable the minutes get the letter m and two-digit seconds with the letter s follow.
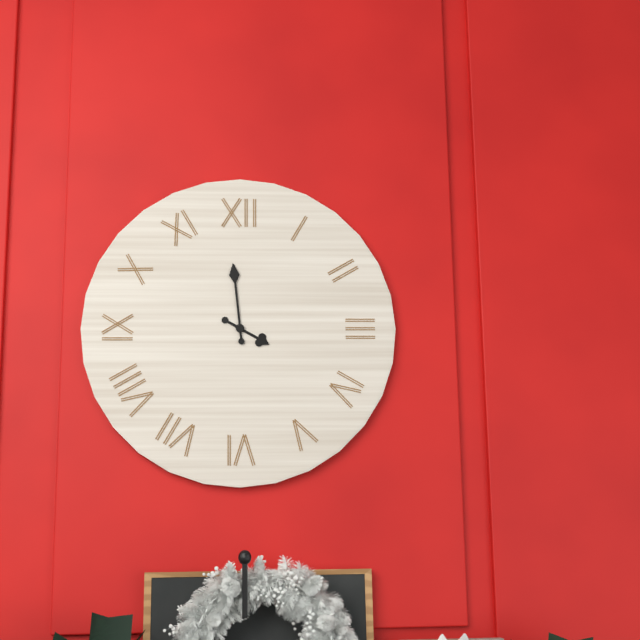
3h59
